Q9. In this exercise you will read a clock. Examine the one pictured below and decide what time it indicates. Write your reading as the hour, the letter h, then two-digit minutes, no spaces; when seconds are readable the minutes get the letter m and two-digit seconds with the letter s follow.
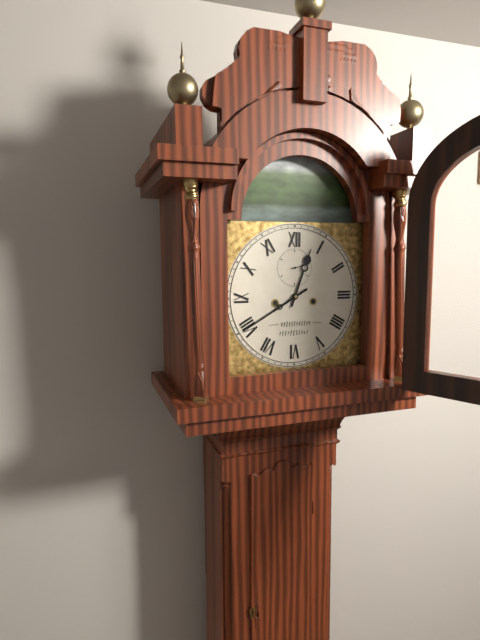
12h40
